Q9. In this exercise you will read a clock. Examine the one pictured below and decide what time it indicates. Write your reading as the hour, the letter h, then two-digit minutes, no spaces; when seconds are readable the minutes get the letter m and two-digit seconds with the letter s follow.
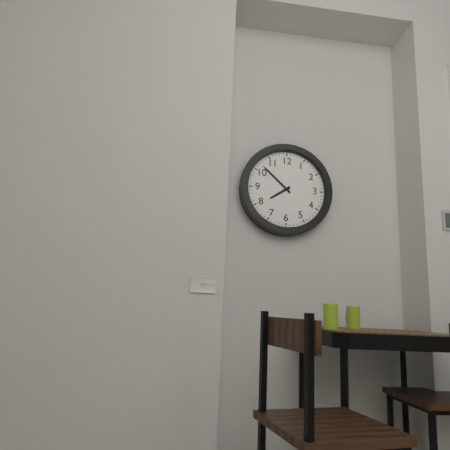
7h52
